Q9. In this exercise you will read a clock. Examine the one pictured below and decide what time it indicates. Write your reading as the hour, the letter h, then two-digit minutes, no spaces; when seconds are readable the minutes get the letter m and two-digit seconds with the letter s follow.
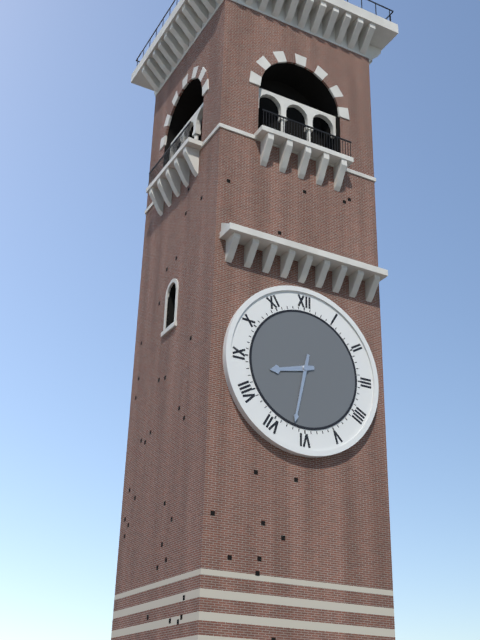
8h32
